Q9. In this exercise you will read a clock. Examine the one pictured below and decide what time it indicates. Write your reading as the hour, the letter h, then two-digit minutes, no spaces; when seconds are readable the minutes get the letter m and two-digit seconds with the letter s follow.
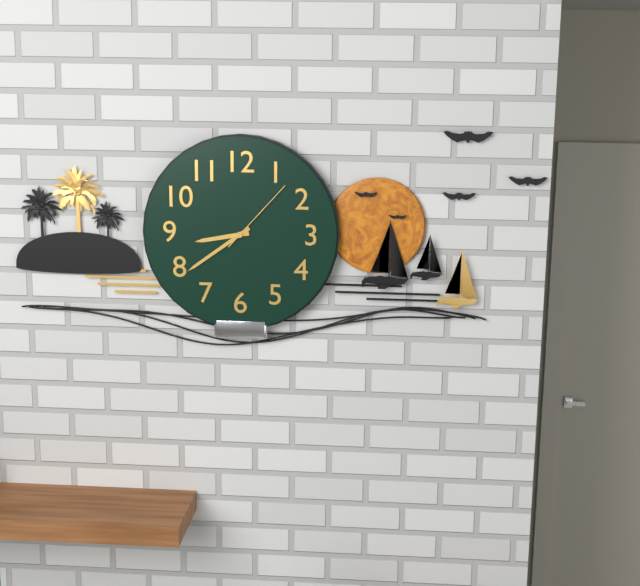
8h39m07s
